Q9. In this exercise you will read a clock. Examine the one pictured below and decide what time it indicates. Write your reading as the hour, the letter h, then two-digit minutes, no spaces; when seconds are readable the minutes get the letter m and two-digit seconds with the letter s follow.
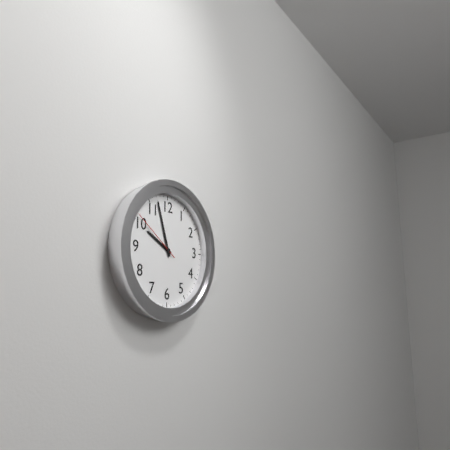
9h57m51s
